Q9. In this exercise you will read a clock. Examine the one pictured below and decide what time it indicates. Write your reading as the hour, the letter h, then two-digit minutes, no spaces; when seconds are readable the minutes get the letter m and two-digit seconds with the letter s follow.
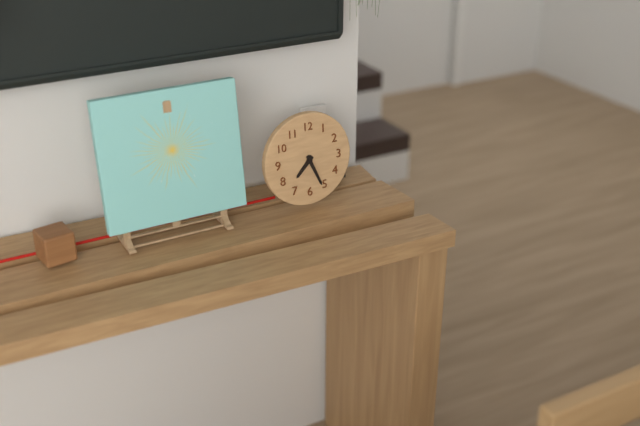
7h26
